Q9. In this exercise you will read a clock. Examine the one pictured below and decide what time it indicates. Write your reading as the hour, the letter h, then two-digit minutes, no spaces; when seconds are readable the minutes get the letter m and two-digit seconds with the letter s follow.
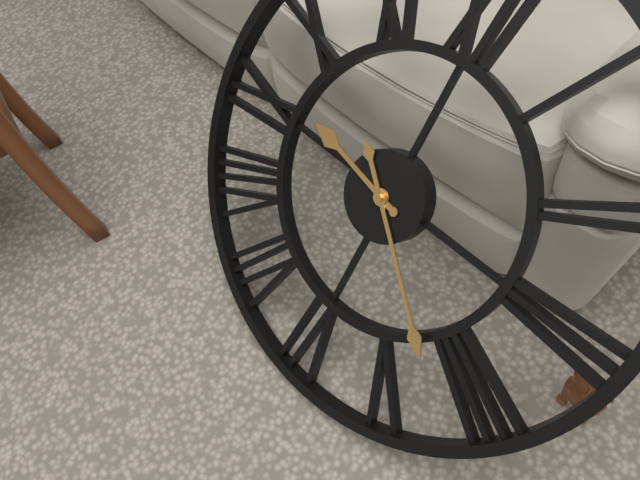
9h22
